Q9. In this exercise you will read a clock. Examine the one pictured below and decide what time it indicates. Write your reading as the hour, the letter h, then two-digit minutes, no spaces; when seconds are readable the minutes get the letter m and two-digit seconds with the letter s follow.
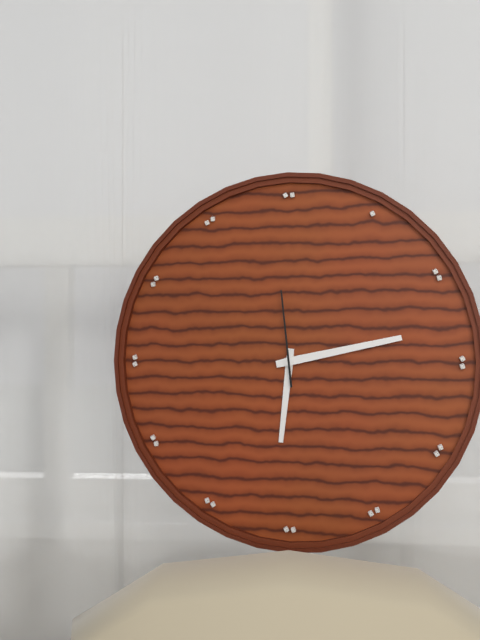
6h13m59s
